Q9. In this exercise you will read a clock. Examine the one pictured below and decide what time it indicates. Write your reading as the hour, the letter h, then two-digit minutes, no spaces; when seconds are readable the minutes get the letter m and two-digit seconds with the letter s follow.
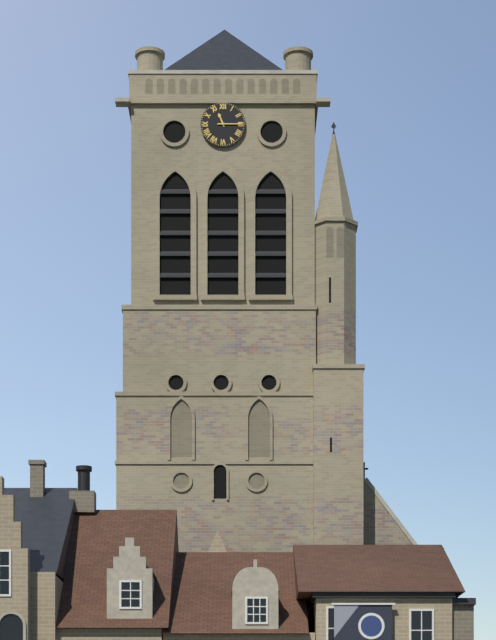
11h15
